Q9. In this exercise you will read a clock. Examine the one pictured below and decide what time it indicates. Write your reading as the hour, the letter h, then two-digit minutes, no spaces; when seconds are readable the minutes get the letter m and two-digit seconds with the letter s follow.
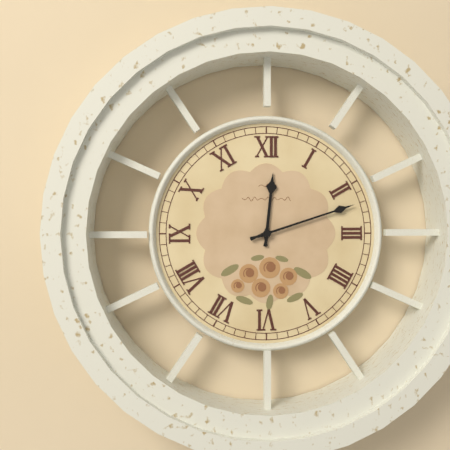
12h12
